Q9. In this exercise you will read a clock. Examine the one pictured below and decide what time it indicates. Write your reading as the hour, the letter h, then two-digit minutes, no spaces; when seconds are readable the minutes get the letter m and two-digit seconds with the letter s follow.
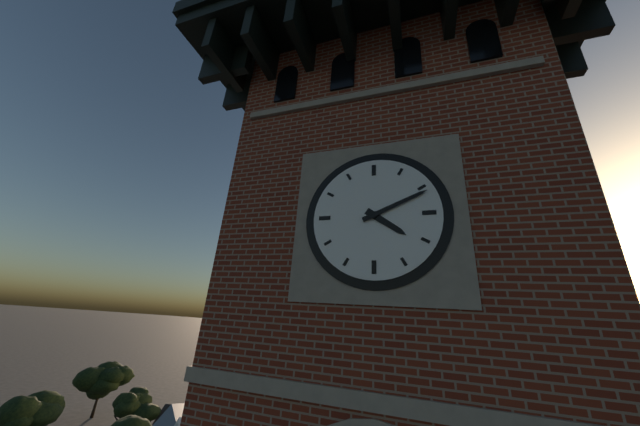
4h11
